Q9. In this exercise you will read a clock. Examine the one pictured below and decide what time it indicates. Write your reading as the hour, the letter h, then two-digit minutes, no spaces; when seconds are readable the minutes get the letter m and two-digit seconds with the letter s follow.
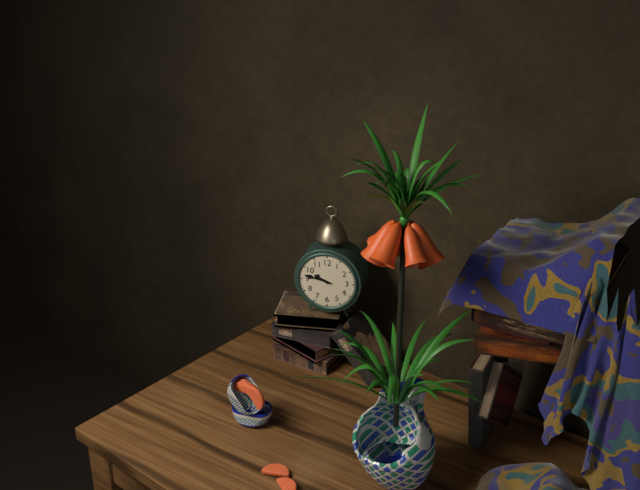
9h47
